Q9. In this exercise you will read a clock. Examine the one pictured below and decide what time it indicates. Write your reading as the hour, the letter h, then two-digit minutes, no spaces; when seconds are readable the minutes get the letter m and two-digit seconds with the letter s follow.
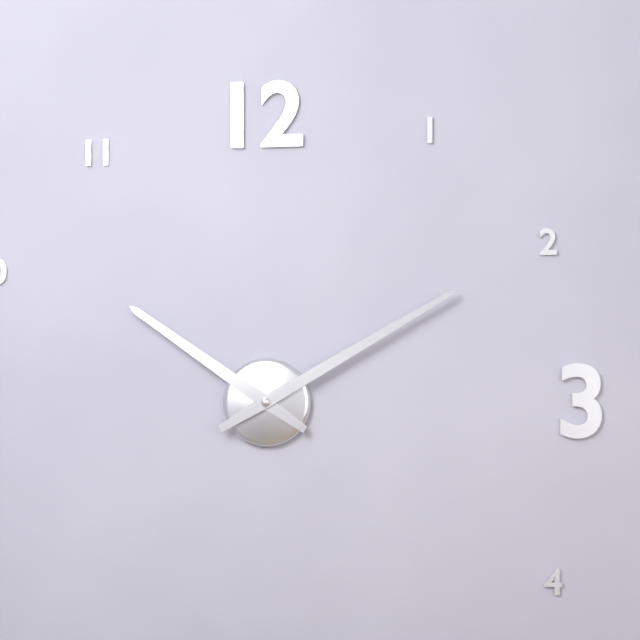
10h10
